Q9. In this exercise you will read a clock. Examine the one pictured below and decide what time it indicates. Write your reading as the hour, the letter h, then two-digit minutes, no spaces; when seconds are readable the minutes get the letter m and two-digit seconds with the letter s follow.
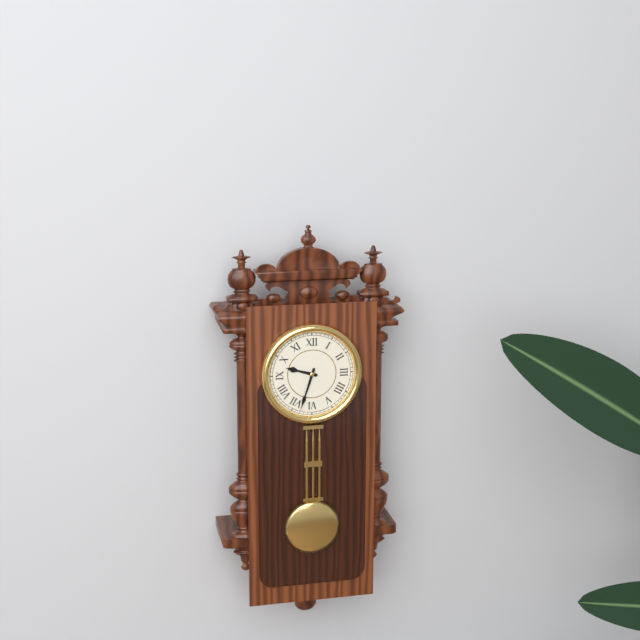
9h33
